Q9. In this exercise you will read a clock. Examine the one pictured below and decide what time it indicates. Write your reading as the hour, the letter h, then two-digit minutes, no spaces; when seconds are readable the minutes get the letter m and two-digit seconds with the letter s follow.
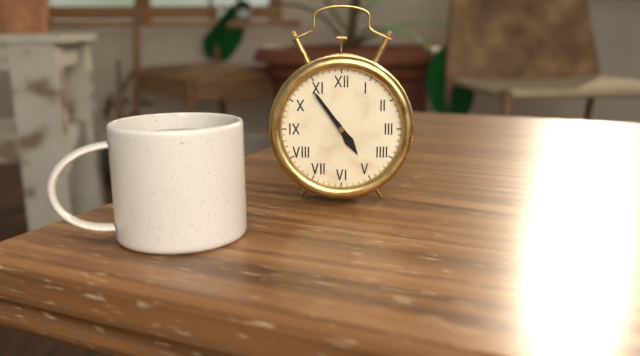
4h54
